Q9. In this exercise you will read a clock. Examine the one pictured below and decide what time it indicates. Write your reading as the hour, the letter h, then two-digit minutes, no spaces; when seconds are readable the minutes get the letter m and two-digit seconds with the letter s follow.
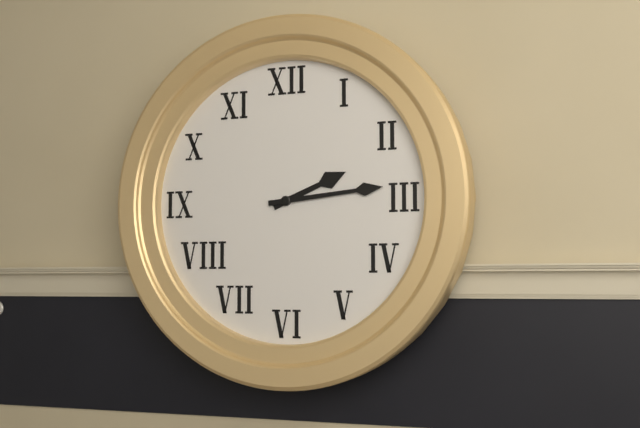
2h14
